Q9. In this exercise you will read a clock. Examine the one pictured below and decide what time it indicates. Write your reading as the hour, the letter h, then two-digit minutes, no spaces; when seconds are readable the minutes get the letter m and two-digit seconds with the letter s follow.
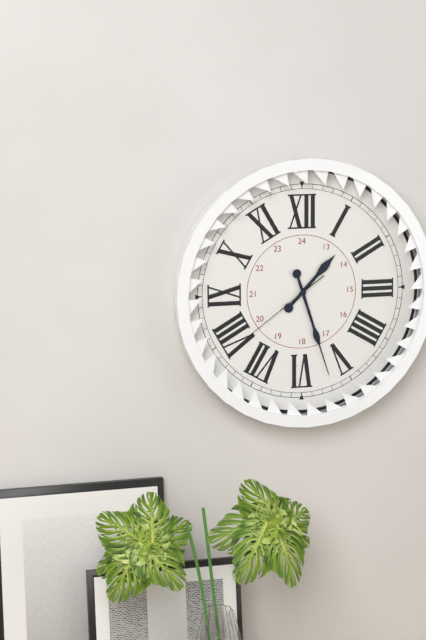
1h27m39s
